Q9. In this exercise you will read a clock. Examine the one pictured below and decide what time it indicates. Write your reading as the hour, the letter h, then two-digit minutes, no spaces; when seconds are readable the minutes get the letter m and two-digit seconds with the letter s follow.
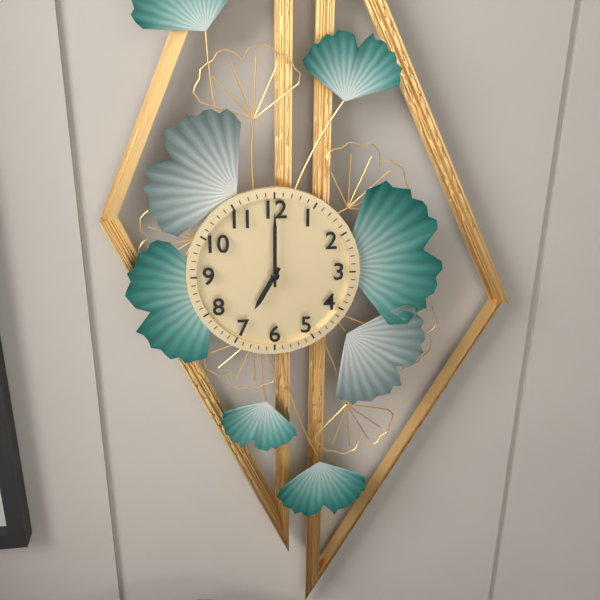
7h00
